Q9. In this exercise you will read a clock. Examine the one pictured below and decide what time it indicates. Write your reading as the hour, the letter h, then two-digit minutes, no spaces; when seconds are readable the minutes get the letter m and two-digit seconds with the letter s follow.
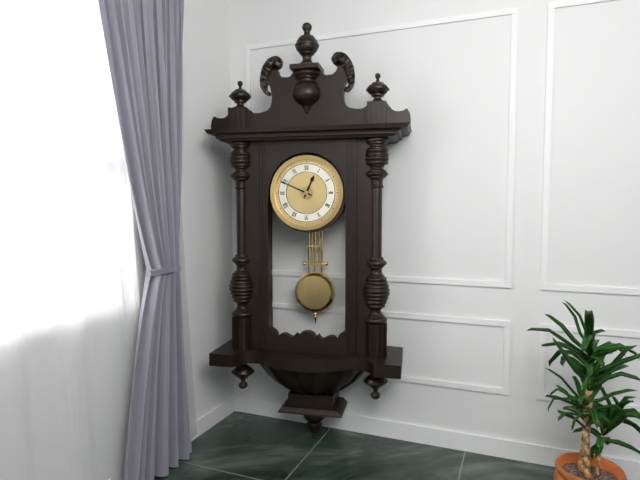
12h49
